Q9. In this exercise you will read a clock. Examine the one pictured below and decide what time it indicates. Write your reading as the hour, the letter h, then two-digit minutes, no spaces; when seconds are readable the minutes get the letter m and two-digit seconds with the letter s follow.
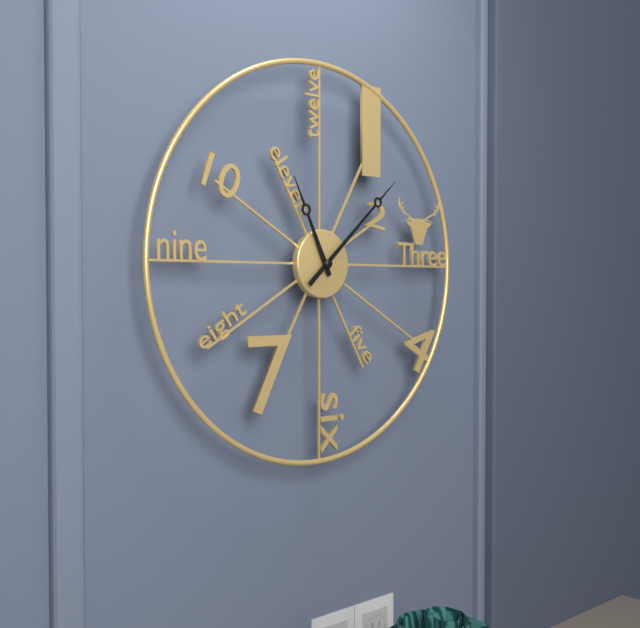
11h08
